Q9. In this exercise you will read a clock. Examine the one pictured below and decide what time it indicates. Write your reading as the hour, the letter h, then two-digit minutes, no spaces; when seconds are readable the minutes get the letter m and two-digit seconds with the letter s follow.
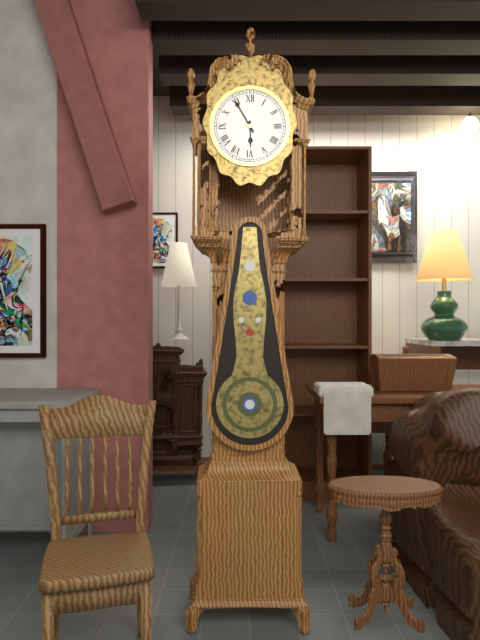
5h55
